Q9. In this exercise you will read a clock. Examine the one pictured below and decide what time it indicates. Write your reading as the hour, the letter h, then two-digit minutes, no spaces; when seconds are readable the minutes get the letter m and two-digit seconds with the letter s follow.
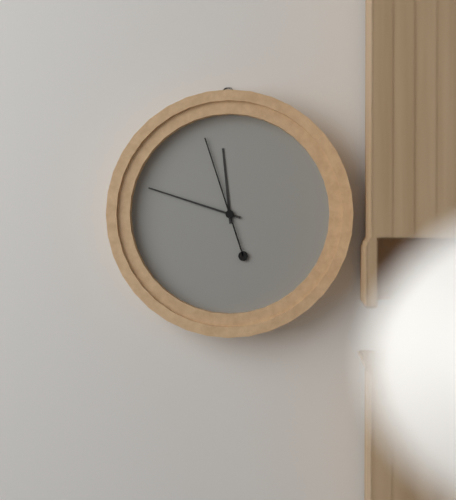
11h48m57s
